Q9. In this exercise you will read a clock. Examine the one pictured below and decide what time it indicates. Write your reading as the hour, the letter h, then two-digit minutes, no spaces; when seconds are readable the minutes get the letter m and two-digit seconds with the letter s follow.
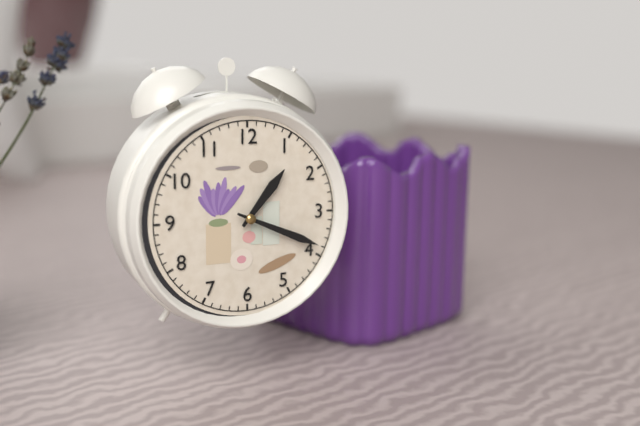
1h19
